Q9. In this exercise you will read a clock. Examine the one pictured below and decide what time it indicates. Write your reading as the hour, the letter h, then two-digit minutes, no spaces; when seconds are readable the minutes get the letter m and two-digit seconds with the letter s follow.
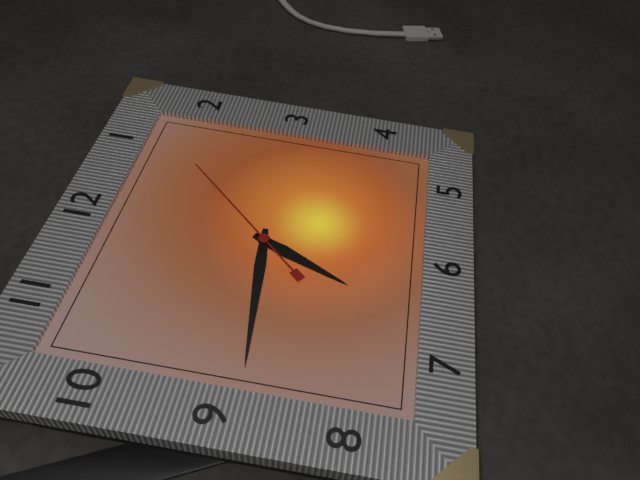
6h44m07s
